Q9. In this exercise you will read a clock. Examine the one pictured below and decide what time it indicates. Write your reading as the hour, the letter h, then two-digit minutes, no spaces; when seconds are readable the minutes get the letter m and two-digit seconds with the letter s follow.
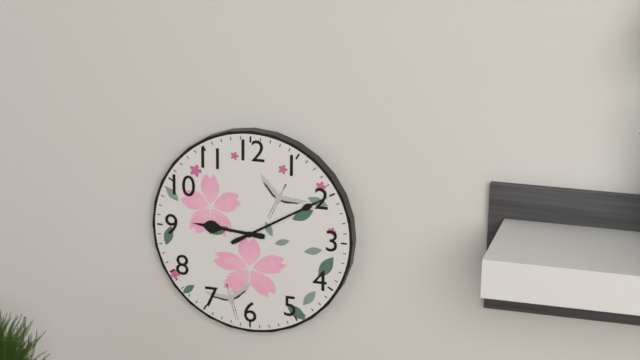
9h10
